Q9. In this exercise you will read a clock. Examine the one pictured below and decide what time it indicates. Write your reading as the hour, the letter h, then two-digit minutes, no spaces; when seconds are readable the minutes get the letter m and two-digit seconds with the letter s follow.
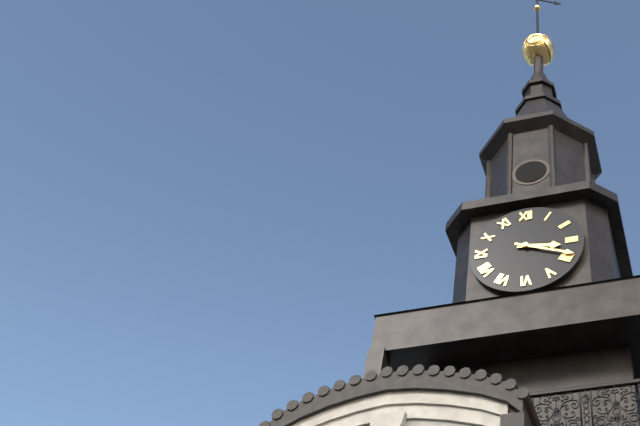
3h19
